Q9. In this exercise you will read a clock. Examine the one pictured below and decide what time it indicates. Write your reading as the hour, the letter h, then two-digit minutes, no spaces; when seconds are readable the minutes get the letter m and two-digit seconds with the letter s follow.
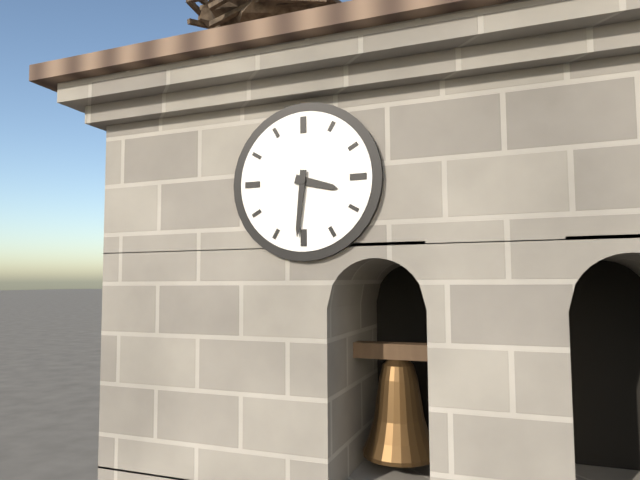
3h31
